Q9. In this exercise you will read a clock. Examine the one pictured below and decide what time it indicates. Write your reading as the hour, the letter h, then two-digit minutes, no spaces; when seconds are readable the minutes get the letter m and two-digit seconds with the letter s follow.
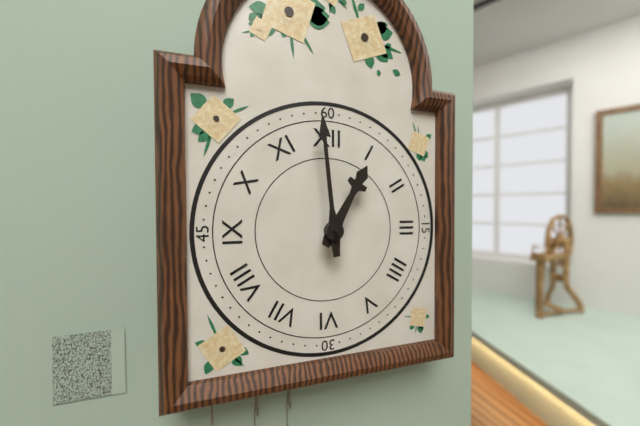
12h59
